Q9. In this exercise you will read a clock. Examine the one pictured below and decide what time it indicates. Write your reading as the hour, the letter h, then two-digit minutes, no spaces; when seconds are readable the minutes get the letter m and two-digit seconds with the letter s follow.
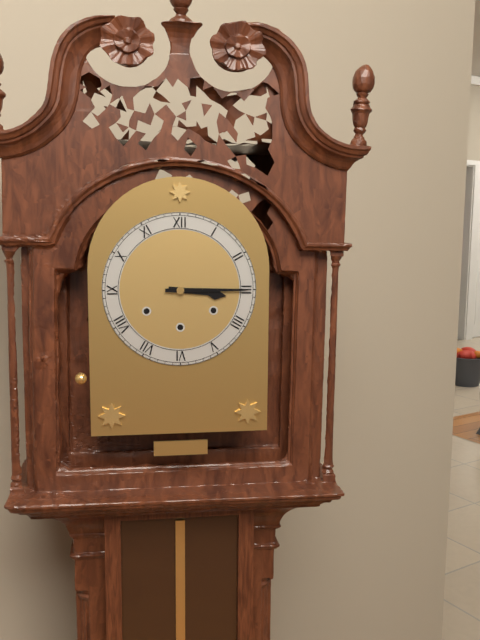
3h15
